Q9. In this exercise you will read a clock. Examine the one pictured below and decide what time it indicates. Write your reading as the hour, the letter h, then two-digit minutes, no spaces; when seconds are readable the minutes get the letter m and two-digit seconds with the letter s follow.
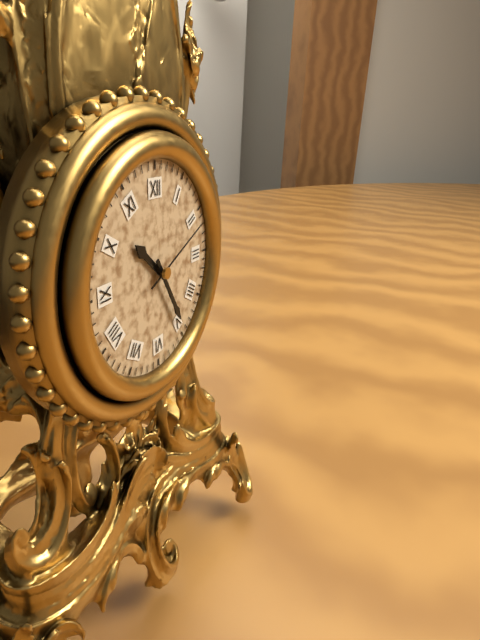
10h25m11s
